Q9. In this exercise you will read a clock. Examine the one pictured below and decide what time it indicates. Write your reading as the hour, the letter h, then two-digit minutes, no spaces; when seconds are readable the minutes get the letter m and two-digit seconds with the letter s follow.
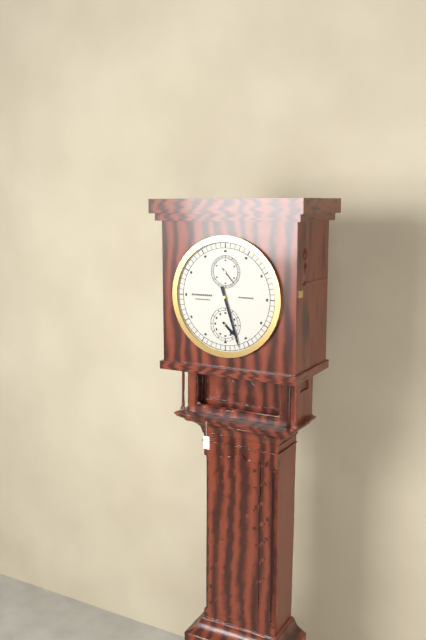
4h27
